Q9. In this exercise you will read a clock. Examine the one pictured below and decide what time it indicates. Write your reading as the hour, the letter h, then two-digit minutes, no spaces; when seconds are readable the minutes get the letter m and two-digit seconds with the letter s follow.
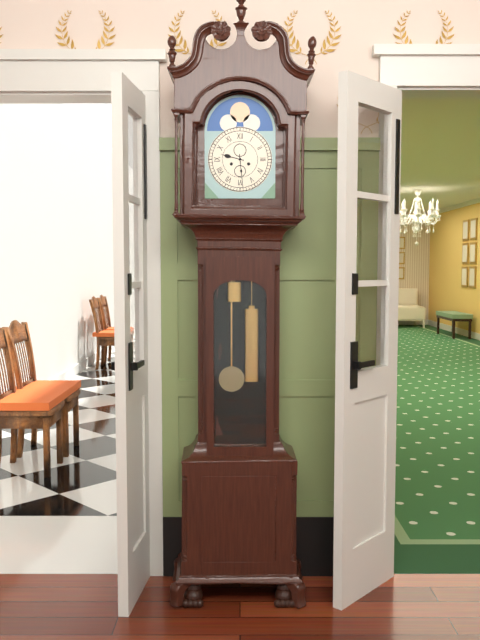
9h29
